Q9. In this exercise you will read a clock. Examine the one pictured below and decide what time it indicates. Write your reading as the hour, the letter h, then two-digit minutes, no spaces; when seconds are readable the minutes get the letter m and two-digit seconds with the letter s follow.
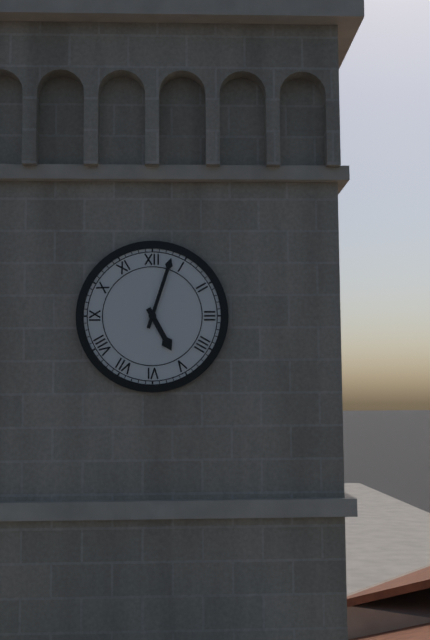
5h03
